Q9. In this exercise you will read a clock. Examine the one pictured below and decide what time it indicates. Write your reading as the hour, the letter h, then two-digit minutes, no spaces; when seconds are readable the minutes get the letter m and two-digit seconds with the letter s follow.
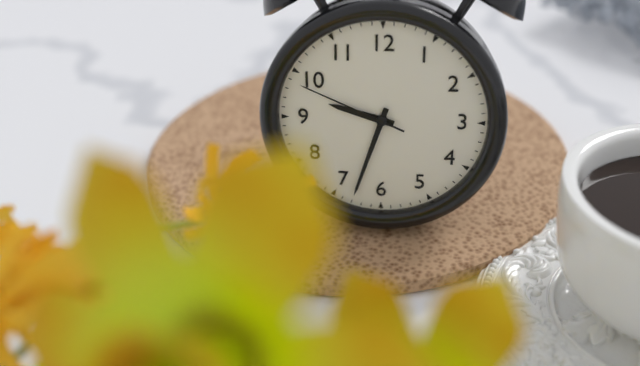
9h33m49s
